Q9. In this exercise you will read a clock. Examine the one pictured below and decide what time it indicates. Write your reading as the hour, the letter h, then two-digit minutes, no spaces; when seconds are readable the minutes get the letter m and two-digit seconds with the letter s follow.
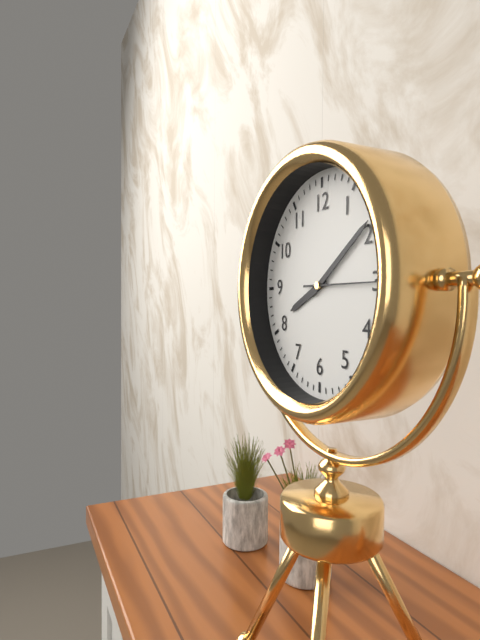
8h09m15s
